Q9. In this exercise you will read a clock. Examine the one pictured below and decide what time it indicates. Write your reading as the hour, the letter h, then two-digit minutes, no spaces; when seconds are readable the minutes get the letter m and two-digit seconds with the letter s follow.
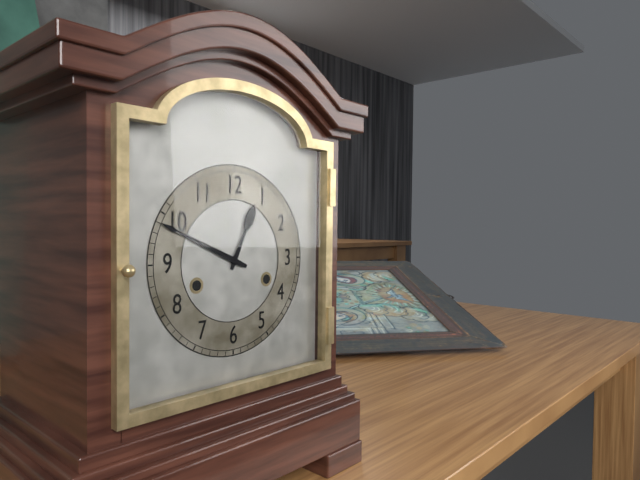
12h49
